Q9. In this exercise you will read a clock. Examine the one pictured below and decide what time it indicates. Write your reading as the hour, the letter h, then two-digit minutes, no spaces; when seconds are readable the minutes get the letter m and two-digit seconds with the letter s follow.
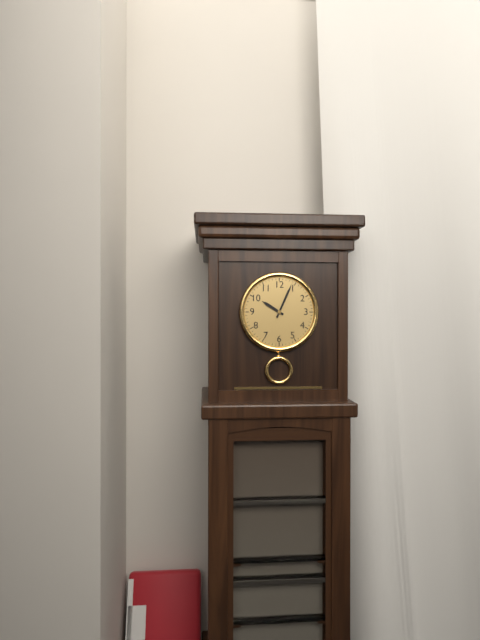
10h04
